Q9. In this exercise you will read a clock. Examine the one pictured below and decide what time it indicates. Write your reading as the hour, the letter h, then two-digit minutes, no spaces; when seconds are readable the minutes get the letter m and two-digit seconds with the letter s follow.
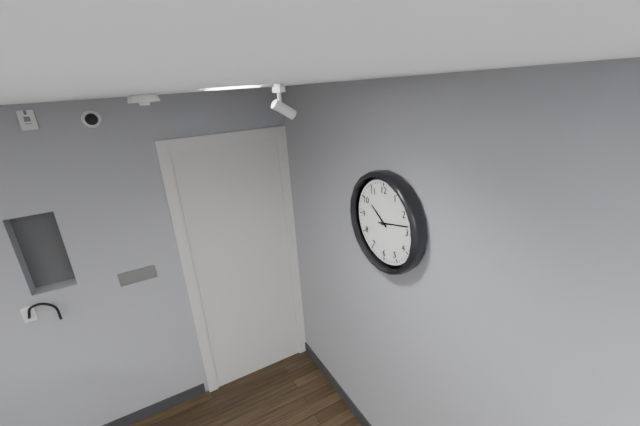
10h13
